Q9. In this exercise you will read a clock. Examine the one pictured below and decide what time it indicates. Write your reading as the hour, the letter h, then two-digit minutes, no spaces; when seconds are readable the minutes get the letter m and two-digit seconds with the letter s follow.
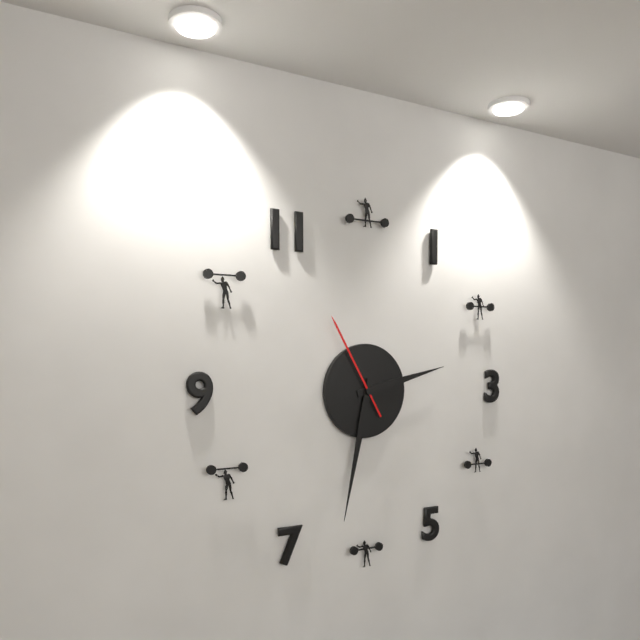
2h32m55s
